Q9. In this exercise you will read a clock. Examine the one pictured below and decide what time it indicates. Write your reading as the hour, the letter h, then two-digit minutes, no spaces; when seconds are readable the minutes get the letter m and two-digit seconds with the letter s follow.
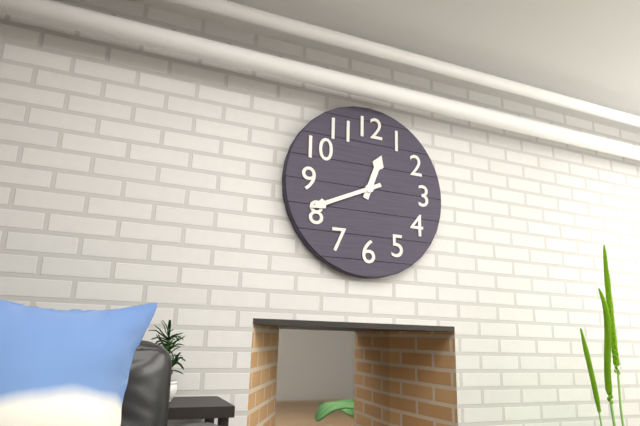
12h41
